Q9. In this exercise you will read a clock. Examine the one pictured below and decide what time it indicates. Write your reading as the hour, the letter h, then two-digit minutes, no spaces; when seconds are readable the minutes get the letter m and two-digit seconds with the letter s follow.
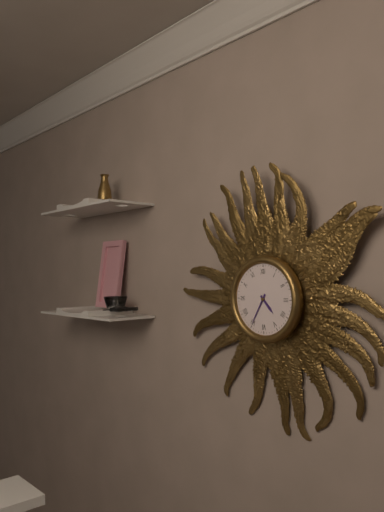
4h35
